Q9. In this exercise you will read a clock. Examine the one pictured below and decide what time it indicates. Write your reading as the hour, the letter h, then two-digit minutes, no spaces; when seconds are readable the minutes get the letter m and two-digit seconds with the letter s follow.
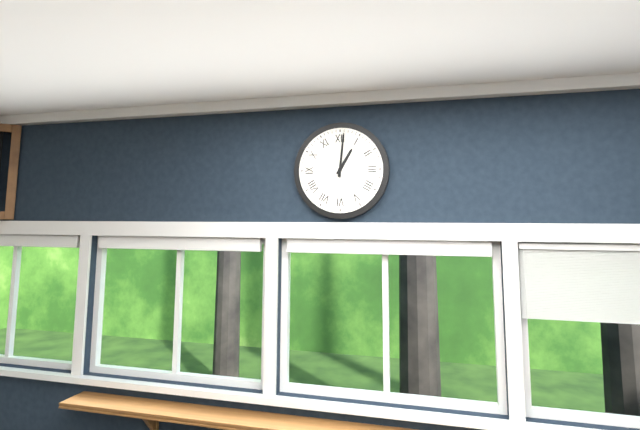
1h01
